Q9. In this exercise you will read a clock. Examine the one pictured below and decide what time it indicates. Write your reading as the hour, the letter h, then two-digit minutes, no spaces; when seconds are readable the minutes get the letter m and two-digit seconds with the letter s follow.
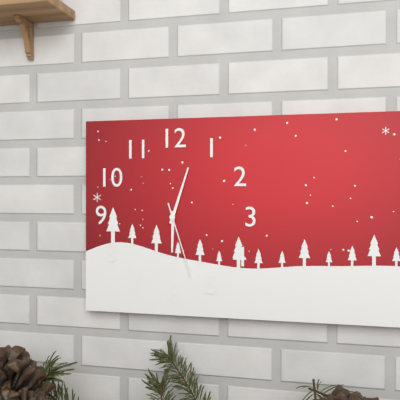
6h03m27s
